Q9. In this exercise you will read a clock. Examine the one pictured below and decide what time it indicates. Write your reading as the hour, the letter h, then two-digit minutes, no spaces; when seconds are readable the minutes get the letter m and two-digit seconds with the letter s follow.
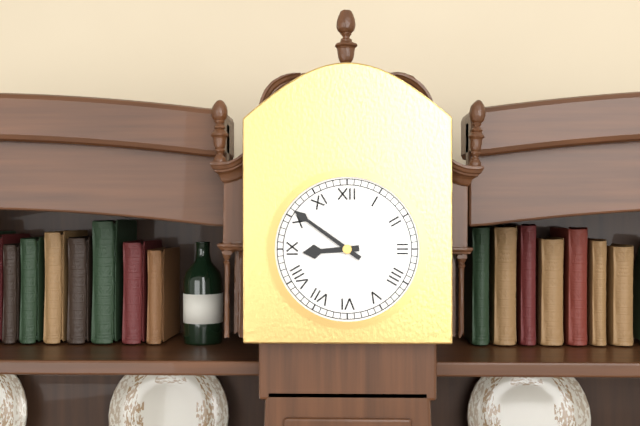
8h51
